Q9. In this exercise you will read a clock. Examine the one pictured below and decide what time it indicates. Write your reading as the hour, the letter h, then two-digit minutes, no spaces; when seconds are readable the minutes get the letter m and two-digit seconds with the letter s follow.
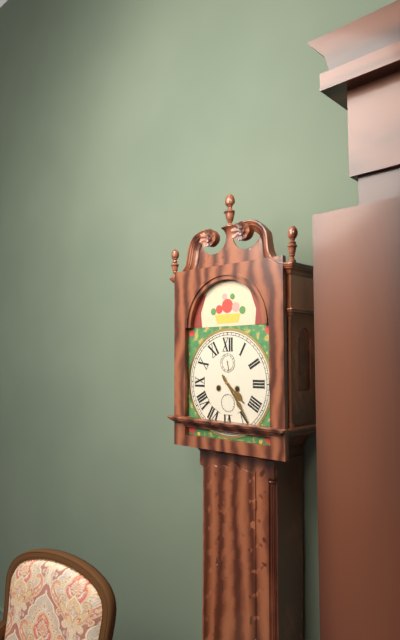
4h24
